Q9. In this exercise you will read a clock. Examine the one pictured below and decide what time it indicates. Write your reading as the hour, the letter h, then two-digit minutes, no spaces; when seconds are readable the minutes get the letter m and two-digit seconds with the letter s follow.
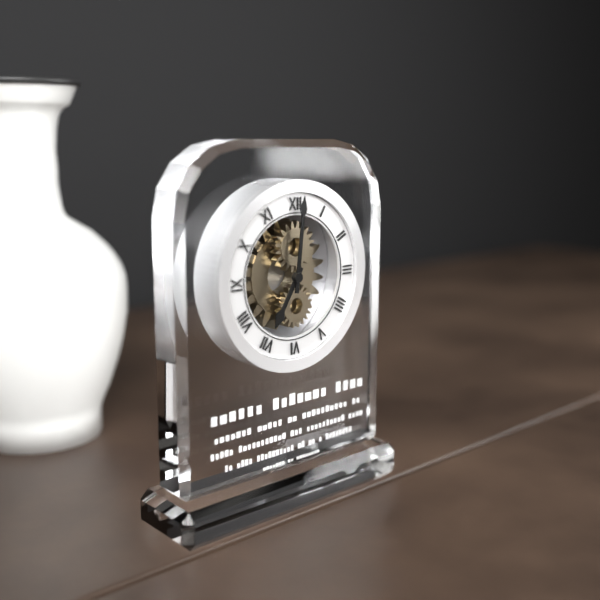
7h01
